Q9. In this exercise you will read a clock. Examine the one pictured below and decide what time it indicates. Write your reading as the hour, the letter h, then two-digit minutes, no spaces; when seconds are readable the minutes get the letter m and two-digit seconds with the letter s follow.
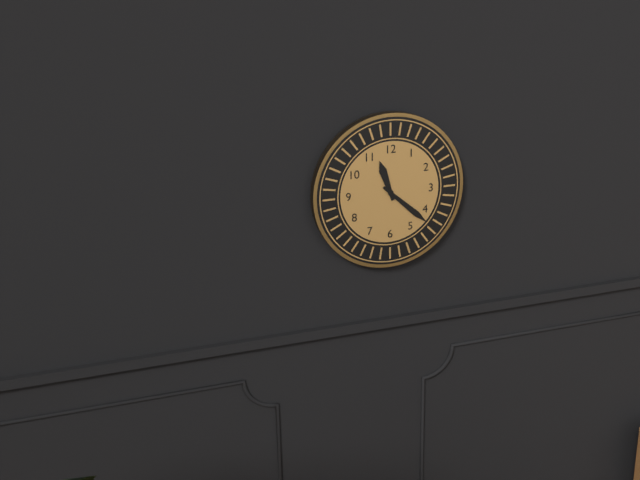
11h22
